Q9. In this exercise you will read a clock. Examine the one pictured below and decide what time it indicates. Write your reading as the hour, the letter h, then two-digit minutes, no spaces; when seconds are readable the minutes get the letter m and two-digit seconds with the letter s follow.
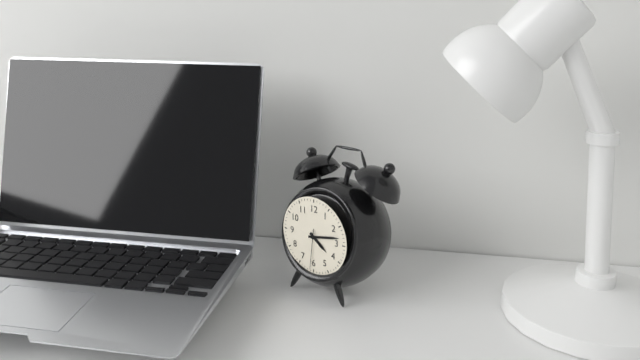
4h13
